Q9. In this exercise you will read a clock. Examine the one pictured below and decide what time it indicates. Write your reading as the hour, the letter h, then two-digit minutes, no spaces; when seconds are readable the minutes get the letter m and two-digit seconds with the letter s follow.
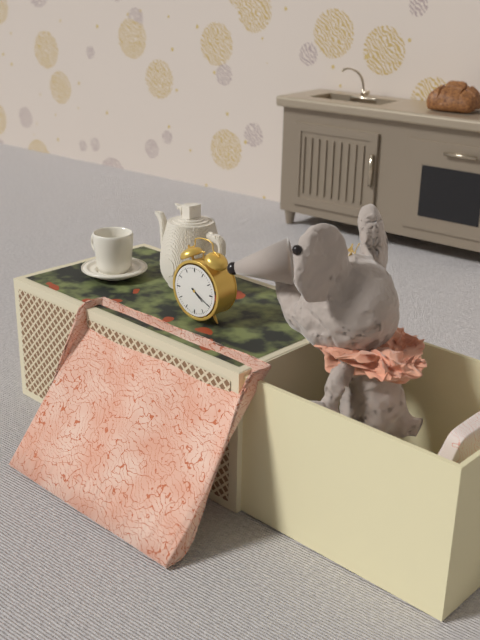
4h20
